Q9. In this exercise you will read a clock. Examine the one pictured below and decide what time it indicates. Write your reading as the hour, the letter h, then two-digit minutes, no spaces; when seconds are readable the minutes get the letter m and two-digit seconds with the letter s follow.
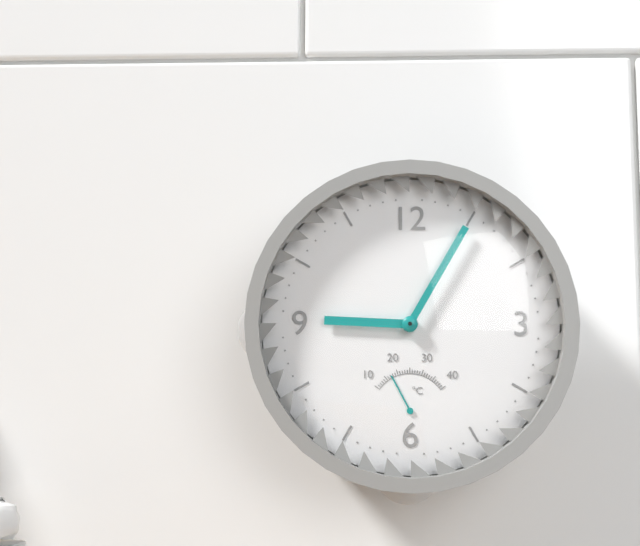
9h05
